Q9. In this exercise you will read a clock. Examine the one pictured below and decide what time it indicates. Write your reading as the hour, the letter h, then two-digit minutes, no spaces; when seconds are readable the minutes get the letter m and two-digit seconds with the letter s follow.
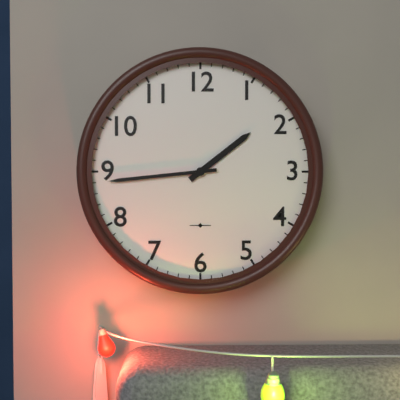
1h44
